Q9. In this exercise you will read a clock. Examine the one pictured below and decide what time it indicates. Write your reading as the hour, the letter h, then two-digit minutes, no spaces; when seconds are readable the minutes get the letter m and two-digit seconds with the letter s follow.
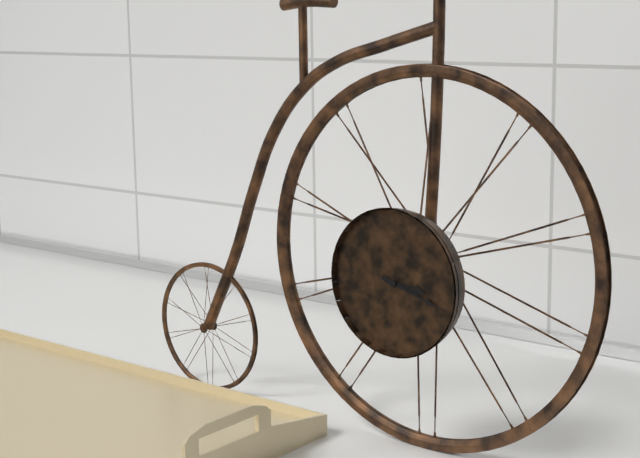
3h18
